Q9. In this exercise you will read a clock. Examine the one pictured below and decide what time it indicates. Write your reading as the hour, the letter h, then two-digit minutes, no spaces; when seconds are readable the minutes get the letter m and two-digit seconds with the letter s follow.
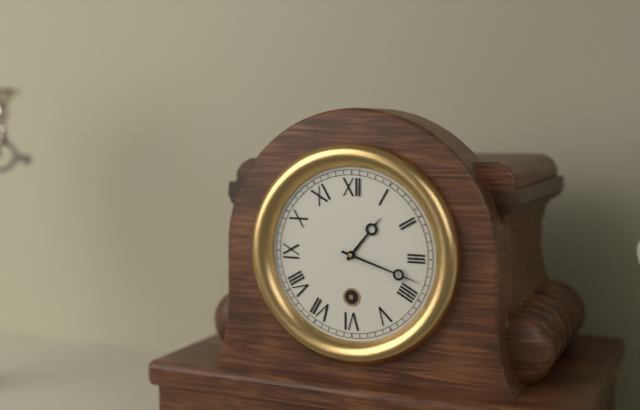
1h18
